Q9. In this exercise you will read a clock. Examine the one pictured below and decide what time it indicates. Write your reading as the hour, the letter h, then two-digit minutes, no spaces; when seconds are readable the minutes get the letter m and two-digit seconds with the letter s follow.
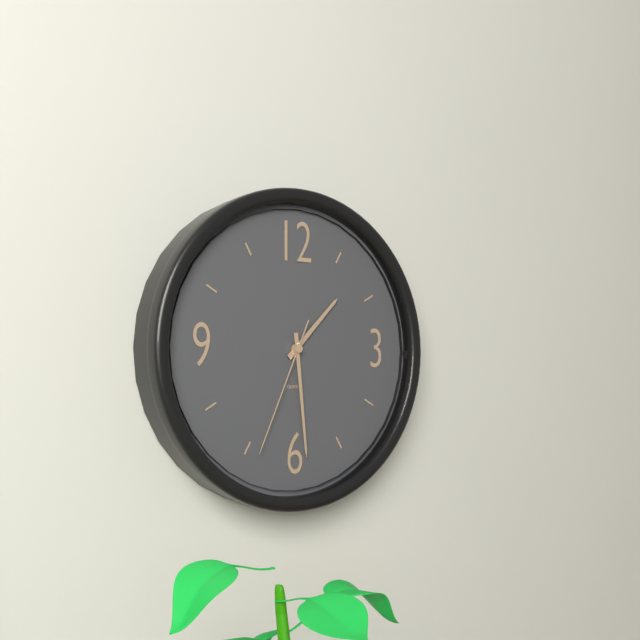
1h29m34s
